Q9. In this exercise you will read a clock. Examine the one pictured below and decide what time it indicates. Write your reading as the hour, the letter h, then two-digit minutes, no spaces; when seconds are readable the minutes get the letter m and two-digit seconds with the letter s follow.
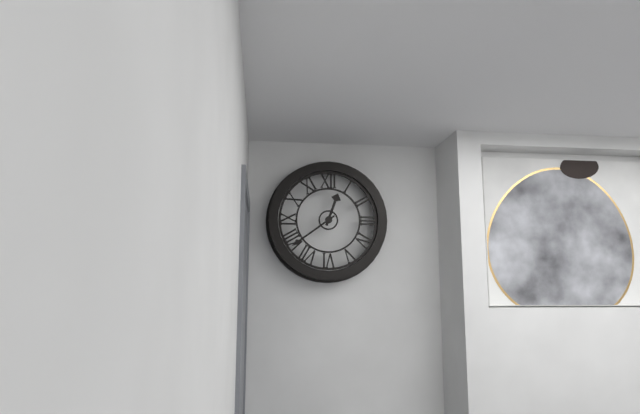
12h39
